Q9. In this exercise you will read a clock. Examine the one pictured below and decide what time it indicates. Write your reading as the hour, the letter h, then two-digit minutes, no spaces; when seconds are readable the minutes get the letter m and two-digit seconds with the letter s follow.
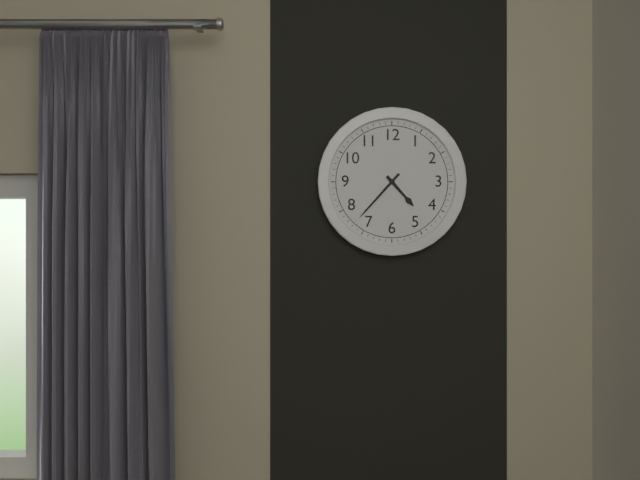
4h37
